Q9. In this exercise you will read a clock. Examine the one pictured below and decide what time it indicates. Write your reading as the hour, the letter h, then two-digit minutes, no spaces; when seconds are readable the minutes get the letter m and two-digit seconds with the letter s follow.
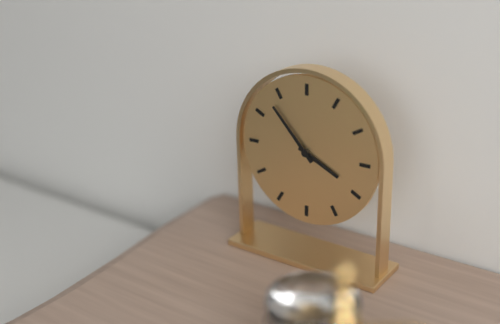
3h53
